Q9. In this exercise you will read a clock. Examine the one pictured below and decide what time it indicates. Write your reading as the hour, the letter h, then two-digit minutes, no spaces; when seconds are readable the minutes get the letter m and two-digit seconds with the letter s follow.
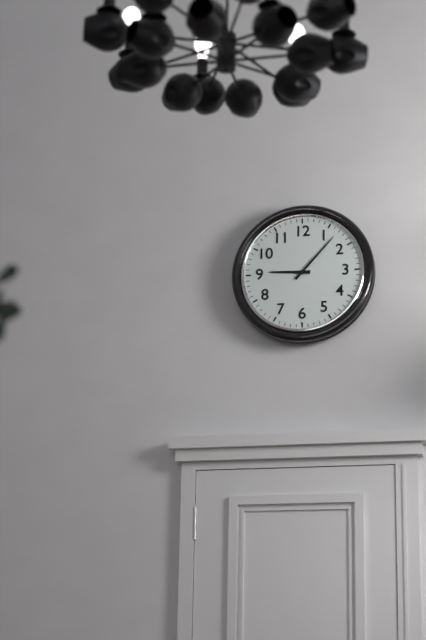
9h07
